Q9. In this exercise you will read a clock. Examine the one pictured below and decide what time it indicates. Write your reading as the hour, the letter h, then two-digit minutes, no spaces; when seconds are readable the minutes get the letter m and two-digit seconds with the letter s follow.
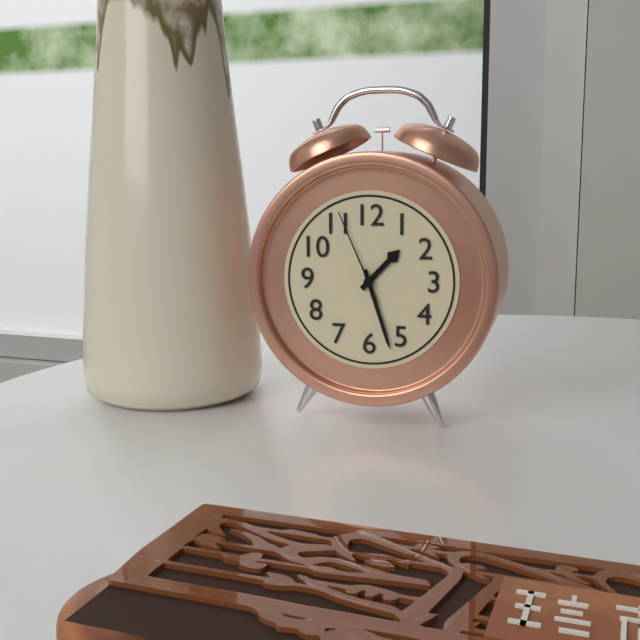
1h27m56s
